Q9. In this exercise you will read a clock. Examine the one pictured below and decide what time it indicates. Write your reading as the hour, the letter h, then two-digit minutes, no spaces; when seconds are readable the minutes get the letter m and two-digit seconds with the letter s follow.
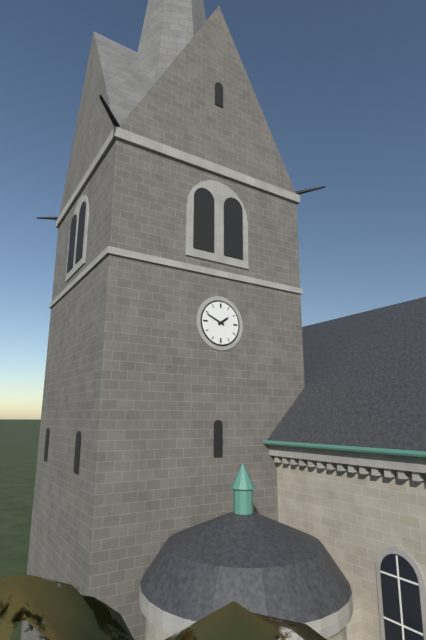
1h49
